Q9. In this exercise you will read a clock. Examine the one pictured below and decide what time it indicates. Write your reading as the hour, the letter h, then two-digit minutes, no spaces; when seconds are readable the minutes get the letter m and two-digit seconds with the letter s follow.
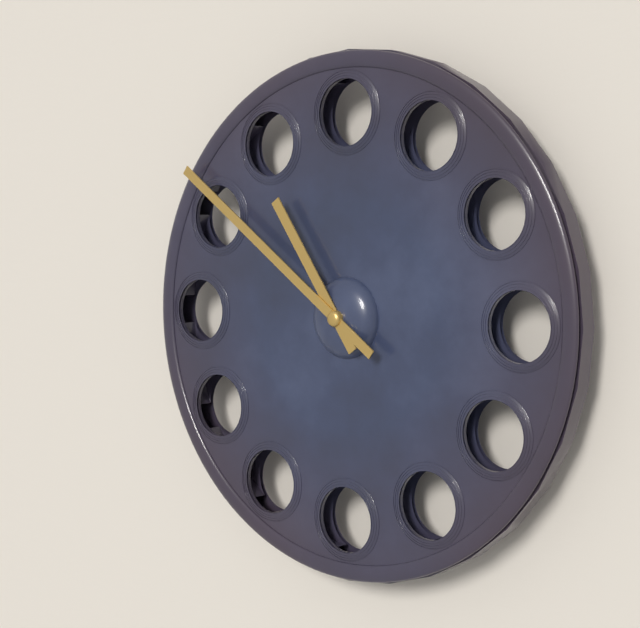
10h51
